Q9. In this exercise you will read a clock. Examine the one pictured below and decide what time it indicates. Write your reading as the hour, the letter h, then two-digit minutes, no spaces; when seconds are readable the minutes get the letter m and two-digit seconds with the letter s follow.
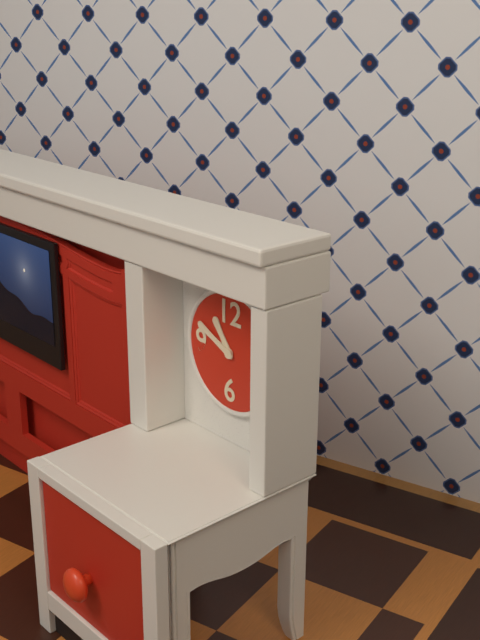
10h49
